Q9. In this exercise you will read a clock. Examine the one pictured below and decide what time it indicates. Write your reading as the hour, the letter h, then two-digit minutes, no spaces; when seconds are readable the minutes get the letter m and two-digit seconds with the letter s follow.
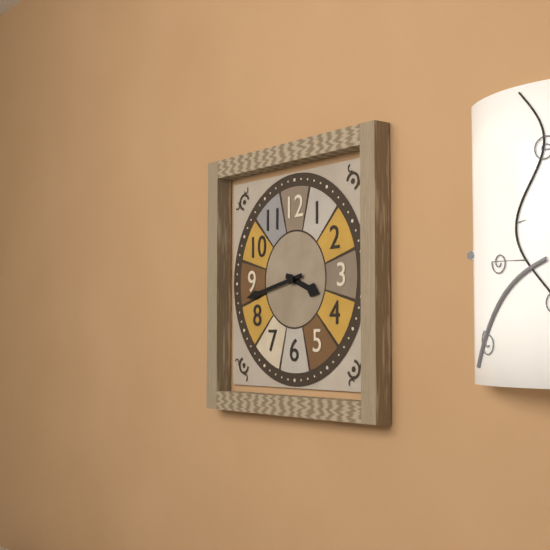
3h43
